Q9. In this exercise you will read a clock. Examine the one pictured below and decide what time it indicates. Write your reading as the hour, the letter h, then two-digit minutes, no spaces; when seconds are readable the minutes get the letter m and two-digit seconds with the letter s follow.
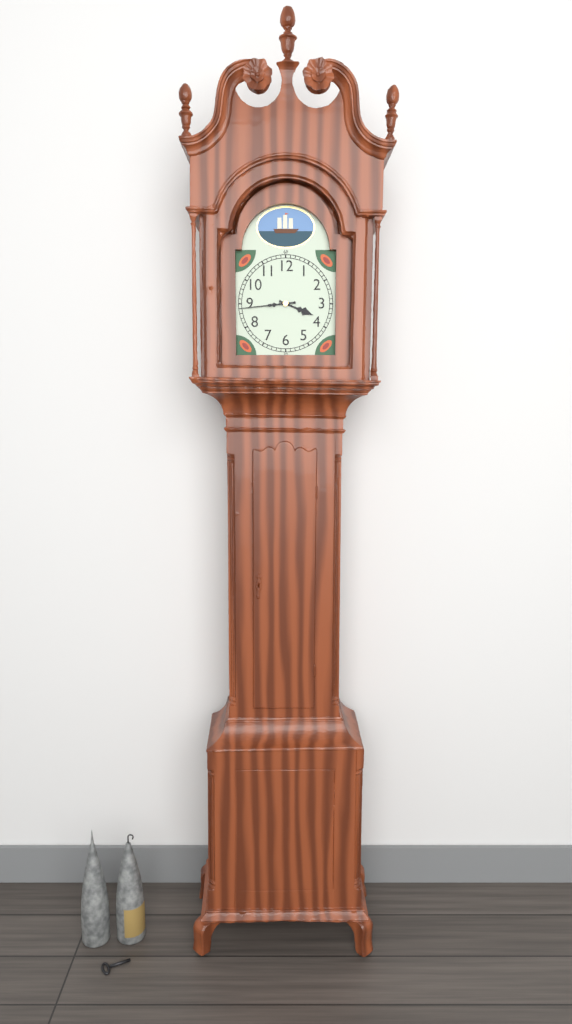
3h44
